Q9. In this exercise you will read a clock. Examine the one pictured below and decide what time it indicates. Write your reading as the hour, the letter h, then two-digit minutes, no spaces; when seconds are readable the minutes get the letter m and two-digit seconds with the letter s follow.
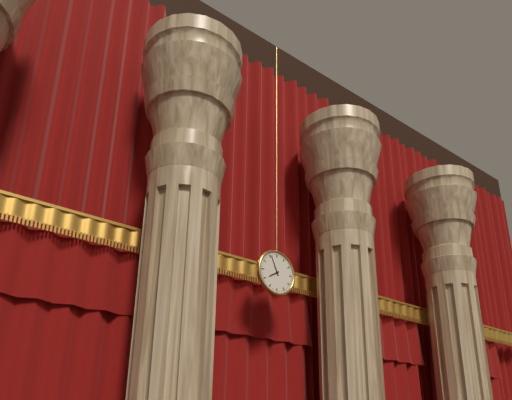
7h56
